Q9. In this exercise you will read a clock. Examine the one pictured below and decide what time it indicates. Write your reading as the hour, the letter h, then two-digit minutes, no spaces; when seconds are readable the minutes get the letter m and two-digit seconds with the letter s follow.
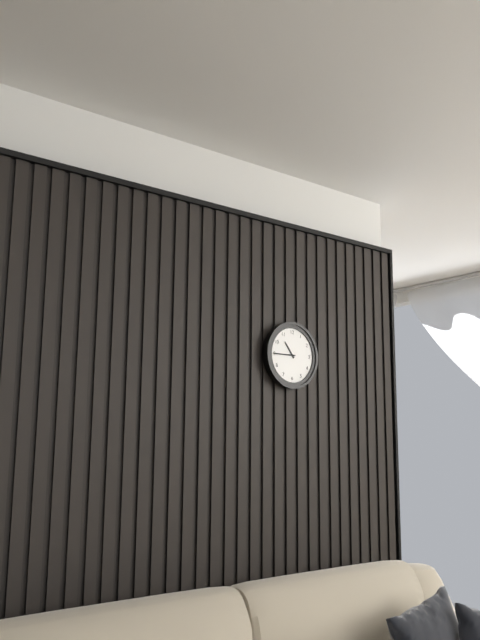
10h45
